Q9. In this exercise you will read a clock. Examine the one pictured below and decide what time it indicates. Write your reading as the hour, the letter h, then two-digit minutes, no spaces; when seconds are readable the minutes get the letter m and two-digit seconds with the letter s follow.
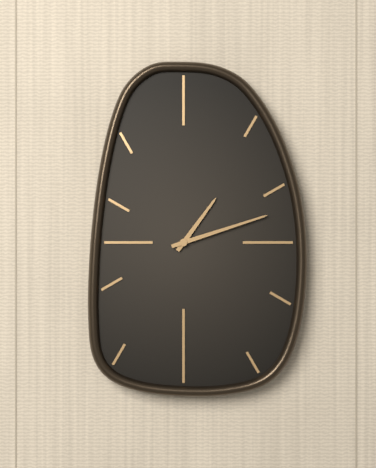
1h12
